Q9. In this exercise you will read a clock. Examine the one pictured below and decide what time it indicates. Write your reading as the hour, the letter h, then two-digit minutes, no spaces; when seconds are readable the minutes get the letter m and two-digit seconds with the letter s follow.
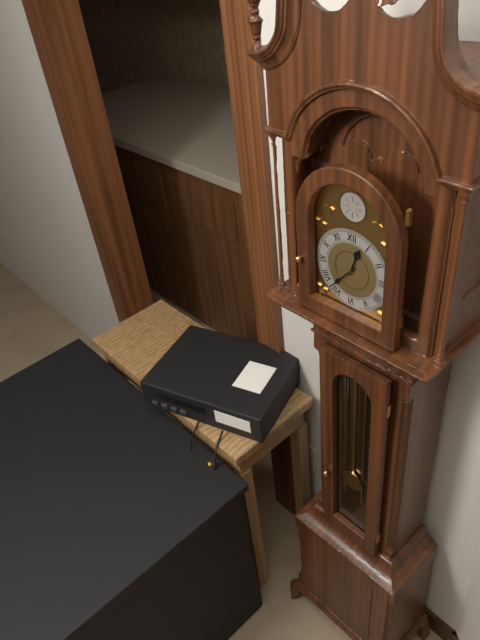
12h37
